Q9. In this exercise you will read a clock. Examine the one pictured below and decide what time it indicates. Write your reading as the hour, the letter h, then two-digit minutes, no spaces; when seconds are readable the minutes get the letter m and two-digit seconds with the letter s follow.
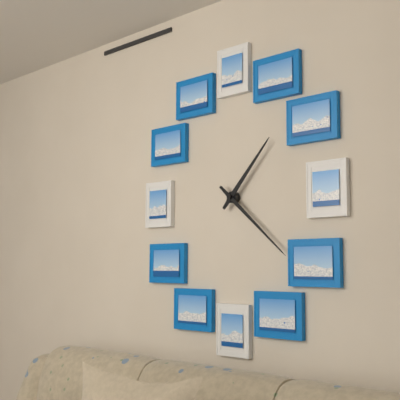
1h22
